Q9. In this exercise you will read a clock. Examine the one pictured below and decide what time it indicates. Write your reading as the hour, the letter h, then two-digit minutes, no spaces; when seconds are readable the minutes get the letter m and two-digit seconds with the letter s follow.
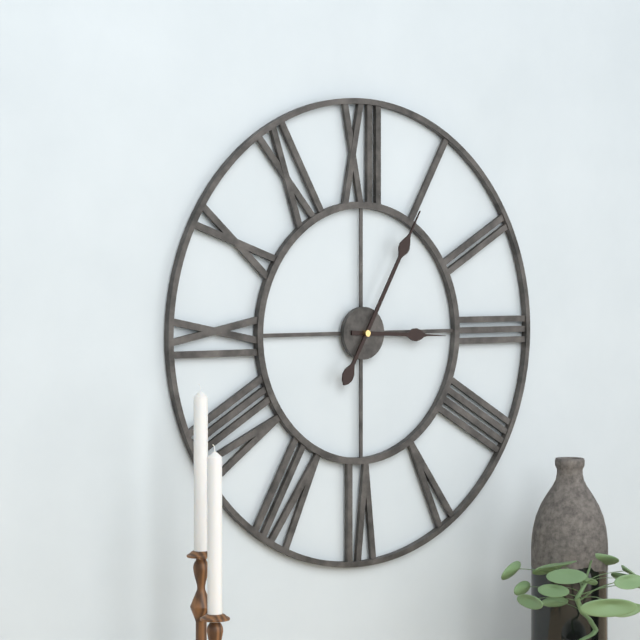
3h05
